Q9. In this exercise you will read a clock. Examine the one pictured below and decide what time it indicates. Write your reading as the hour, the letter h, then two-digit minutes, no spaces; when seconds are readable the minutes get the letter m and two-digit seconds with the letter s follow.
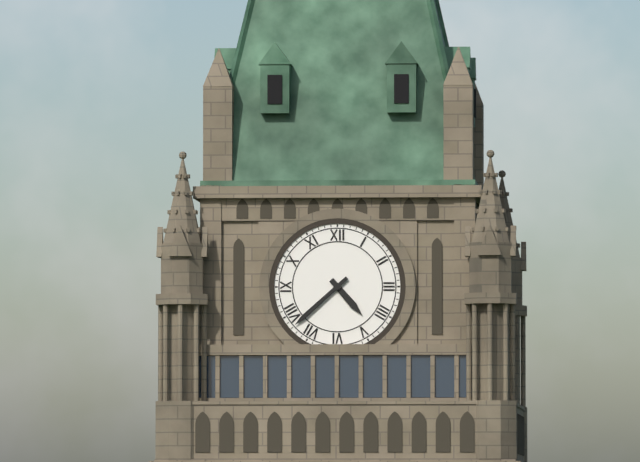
4h38
